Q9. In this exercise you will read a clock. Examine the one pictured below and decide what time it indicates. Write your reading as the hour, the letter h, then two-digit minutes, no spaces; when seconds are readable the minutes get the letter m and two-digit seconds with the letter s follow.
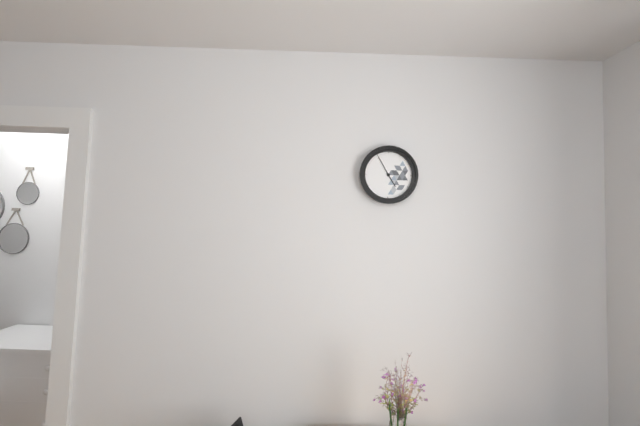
4h55
